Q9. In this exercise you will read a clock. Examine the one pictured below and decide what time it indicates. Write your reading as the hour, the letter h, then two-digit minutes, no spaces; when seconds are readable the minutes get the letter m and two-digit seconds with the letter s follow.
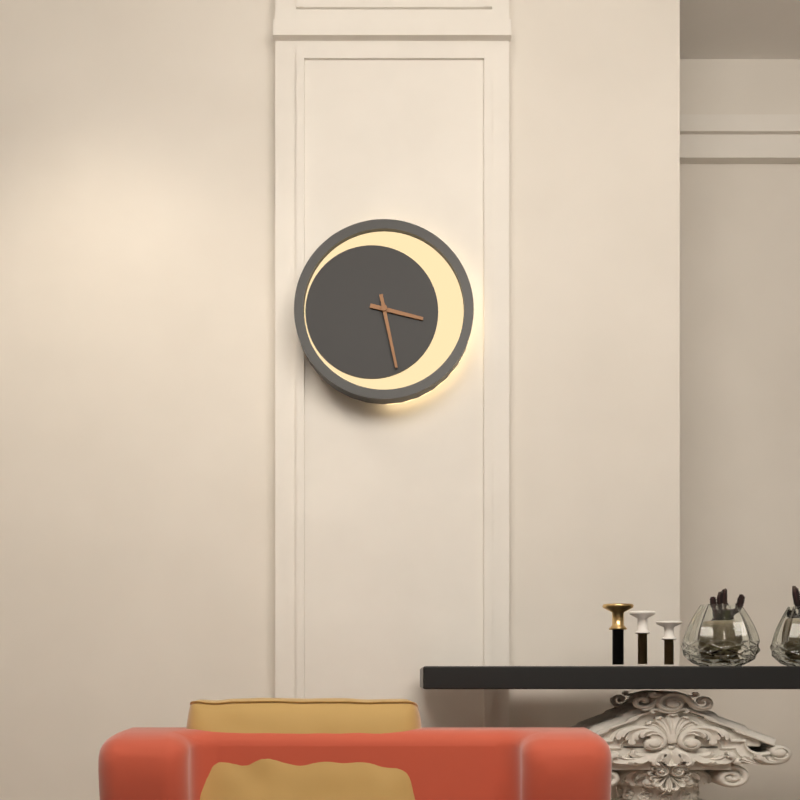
3h28
